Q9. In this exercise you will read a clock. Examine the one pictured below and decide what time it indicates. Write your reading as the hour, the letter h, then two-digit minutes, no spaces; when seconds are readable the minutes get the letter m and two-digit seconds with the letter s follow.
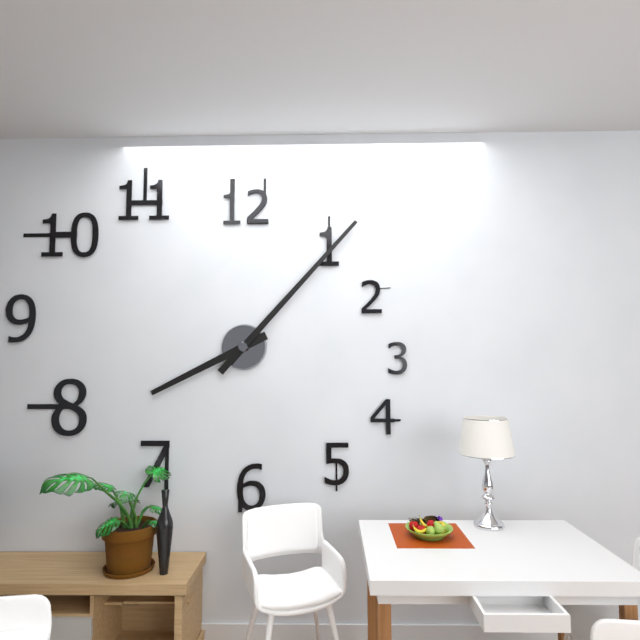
8h07
